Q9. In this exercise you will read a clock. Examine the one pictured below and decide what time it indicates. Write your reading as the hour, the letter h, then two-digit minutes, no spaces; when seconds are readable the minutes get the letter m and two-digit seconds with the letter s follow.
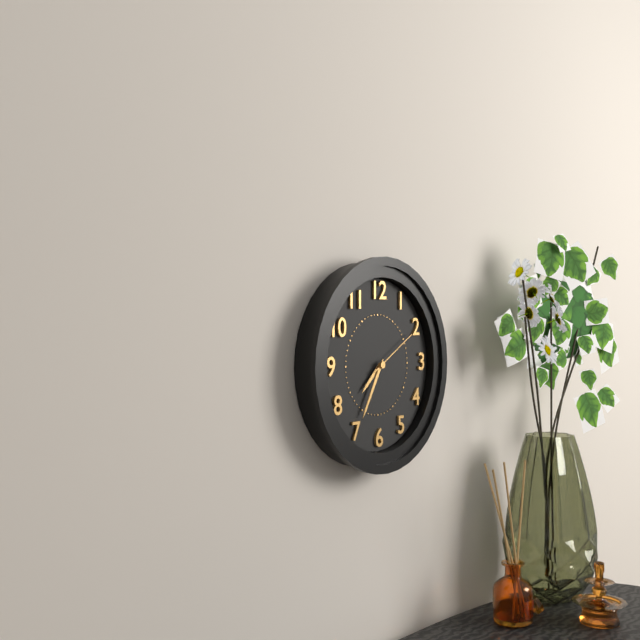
7h35m10s
